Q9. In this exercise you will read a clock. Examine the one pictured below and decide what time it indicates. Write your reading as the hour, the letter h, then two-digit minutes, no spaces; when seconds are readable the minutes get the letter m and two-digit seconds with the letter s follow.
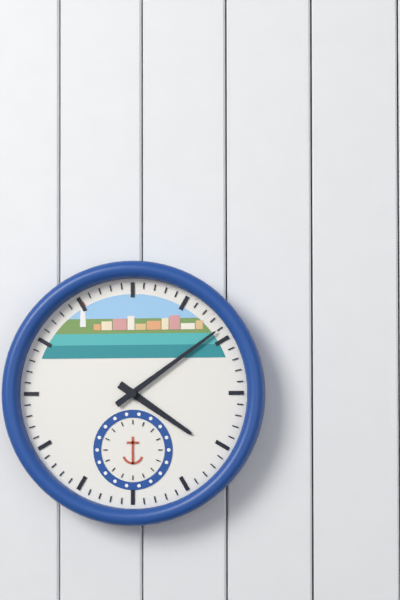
4h09
